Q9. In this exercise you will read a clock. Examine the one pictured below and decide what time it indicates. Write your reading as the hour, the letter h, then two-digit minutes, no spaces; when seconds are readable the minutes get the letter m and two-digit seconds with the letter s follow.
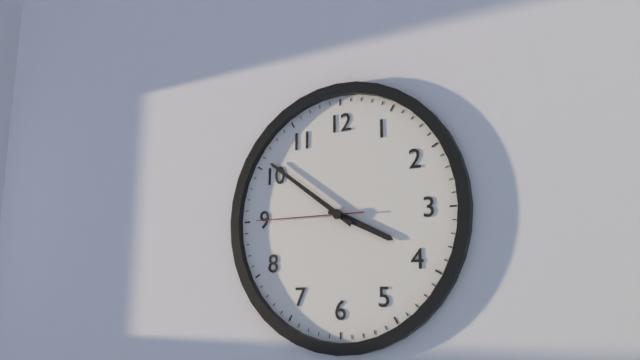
3h51m45s
